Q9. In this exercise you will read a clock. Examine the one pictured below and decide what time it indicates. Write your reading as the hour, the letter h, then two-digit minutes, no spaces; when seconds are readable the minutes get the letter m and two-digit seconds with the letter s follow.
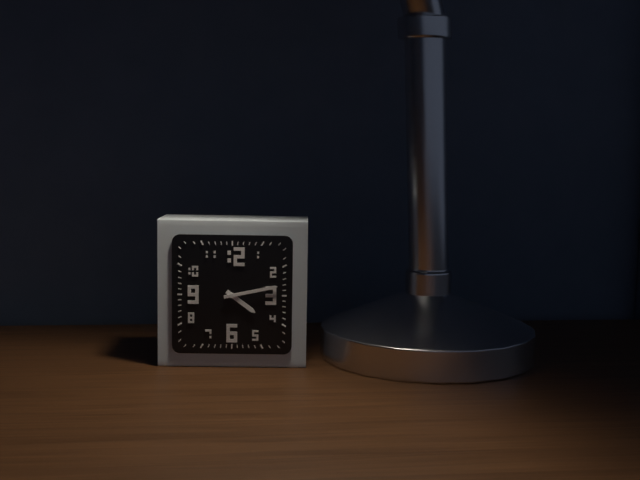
4h13
